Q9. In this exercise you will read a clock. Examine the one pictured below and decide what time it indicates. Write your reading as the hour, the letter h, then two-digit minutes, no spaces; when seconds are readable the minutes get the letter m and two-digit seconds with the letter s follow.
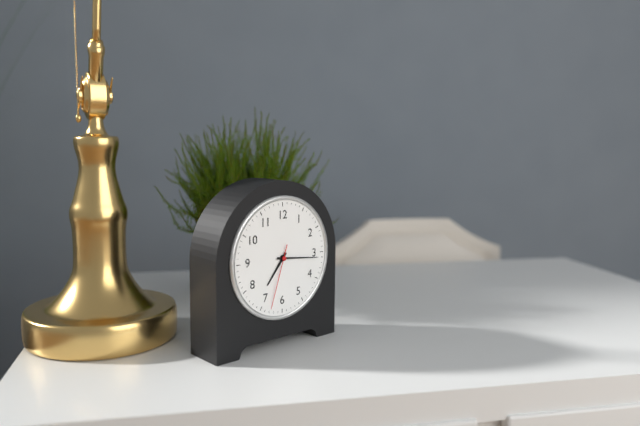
7h16m33s
